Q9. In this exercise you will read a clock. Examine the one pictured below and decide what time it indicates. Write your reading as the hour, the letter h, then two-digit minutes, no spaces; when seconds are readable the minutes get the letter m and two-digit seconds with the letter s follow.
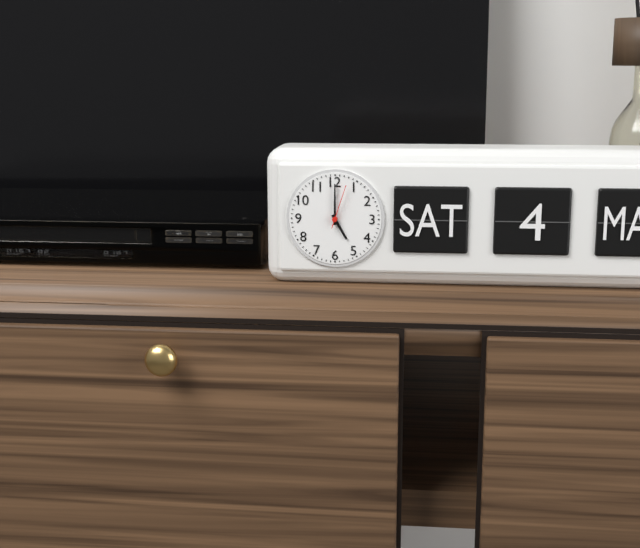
5h00
